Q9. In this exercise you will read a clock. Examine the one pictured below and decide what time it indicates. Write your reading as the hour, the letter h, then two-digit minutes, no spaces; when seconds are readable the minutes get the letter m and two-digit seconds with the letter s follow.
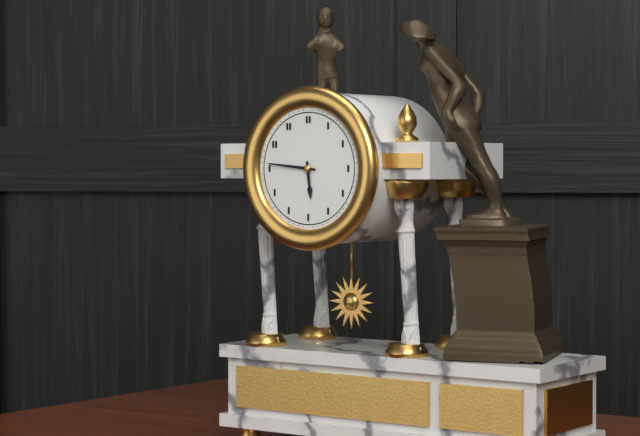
5h46
